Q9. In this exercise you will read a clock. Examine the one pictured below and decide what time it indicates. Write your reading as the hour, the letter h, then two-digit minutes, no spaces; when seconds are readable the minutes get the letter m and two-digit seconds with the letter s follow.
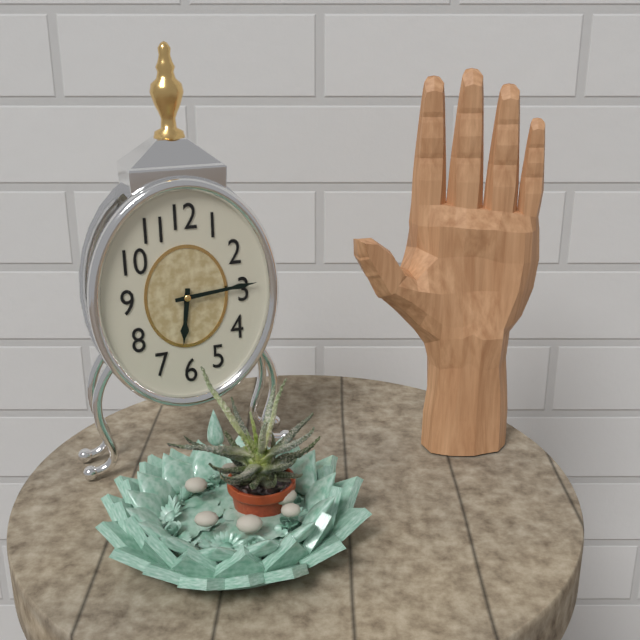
6h14
